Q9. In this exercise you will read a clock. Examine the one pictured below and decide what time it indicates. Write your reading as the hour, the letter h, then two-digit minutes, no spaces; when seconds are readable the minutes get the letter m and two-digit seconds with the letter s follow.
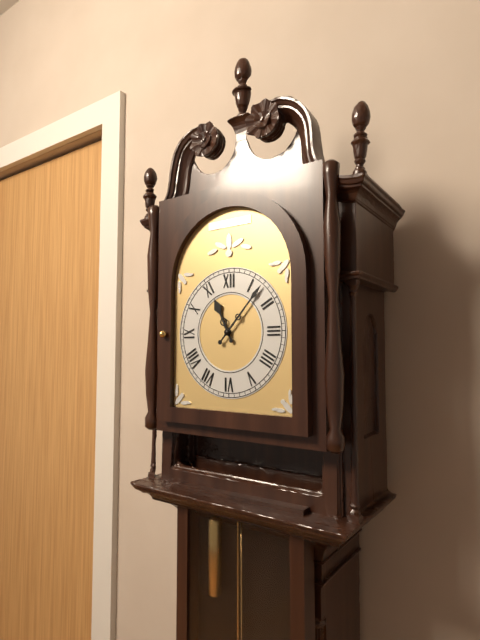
11h07
